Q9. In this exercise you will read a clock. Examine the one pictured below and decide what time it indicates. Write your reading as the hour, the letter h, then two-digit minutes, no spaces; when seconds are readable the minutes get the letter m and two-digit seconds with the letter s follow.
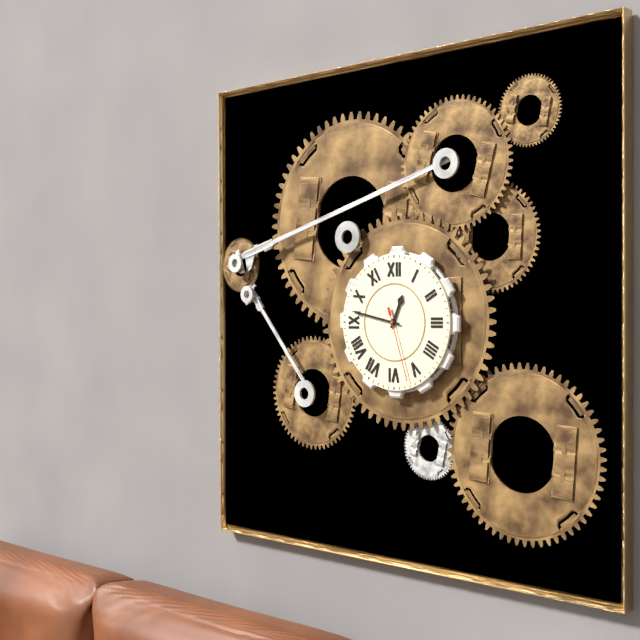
12h47m27s
